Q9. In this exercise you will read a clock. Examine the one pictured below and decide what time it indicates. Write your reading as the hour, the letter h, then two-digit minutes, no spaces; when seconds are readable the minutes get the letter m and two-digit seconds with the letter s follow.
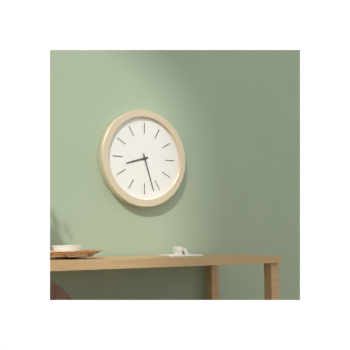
8h27
